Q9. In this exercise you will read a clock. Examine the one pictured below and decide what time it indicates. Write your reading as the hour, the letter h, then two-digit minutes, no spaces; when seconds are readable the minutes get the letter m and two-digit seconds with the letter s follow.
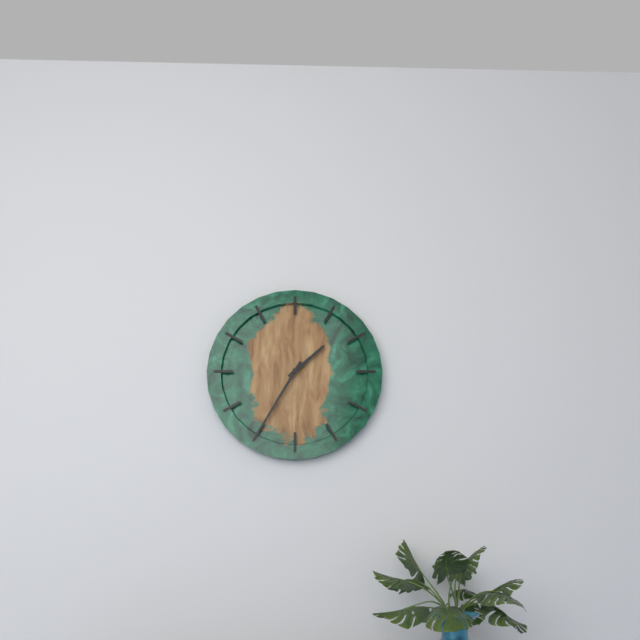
1h35
